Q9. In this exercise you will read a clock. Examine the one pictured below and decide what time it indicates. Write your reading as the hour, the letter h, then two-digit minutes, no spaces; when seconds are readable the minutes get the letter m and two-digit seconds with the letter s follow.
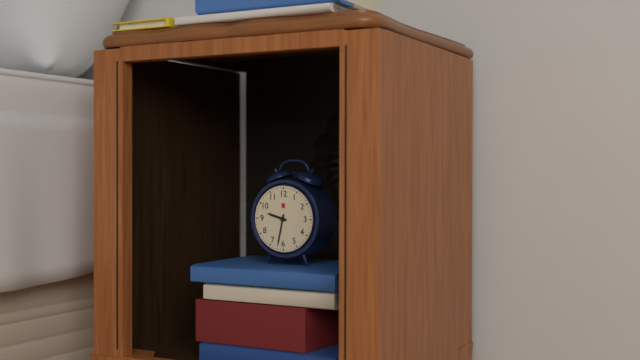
9h32
